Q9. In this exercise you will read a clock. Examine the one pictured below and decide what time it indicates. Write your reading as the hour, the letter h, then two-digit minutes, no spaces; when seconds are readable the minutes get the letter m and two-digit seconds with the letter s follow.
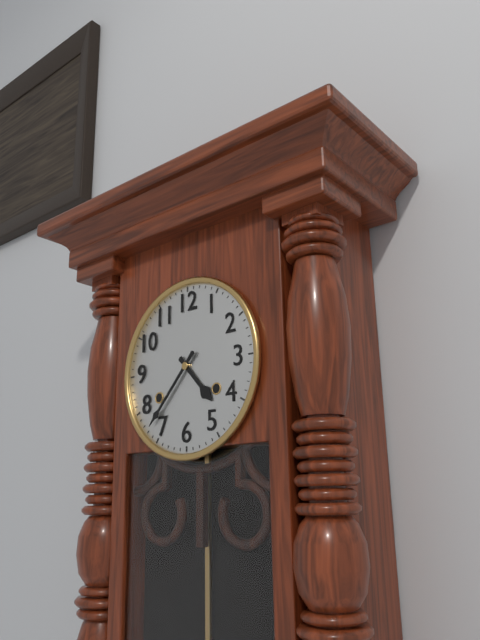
4h37
